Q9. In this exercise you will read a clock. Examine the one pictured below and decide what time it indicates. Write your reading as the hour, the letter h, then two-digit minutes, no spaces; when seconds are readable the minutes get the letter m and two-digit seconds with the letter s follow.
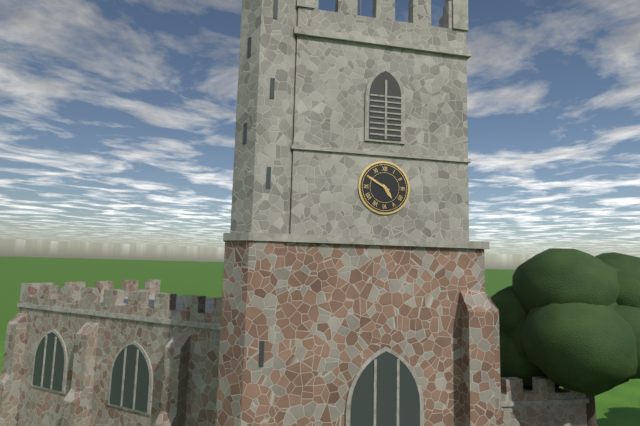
4h50
